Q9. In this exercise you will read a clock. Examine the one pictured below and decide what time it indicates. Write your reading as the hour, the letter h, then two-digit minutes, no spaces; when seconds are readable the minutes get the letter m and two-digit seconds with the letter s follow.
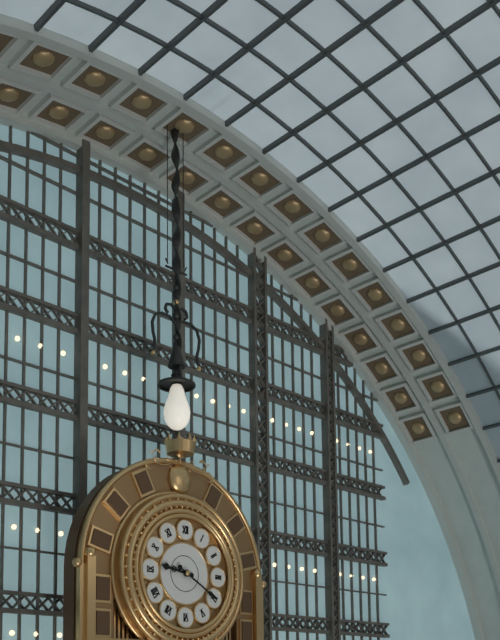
9h20
